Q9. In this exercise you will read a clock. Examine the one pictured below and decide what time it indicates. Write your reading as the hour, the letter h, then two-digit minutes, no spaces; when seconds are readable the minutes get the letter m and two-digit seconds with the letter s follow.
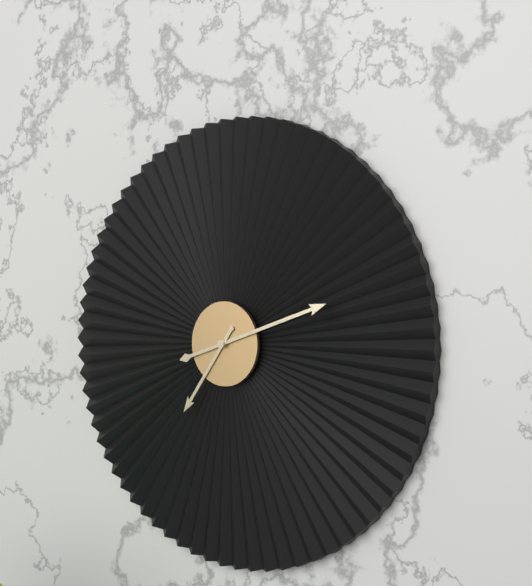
7h12
